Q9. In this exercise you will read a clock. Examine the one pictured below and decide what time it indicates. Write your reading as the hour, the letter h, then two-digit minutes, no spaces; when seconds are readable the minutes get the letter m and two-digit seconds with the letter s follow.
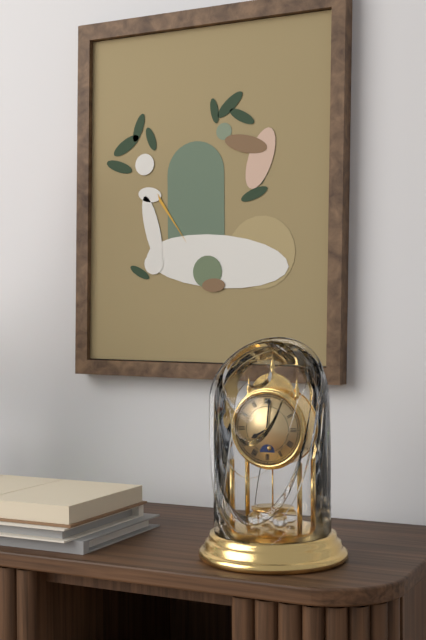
8h01
